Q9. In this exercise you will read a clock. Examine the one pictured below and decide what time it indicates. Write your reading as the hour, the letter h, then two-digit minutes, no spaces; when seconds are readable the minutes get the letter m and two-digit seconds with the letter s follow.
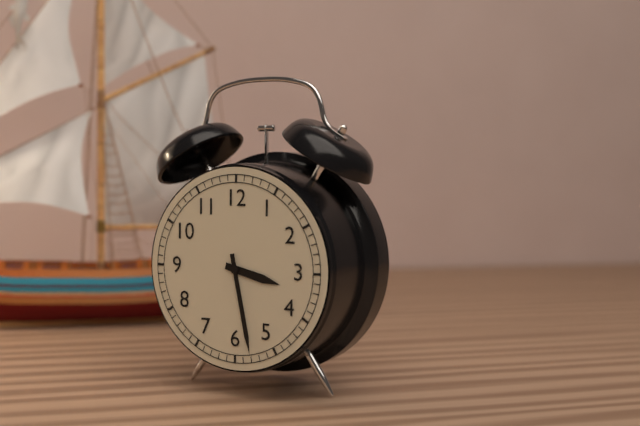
3h28
